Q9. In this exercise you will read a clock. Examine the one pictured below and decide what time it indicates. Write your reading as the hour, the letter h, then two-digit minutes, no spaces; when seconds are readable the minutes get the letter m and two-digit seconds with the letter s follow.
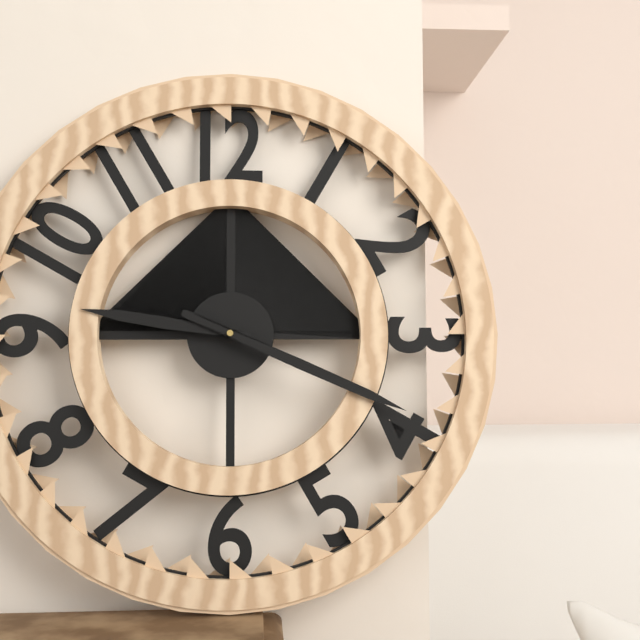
9h19
